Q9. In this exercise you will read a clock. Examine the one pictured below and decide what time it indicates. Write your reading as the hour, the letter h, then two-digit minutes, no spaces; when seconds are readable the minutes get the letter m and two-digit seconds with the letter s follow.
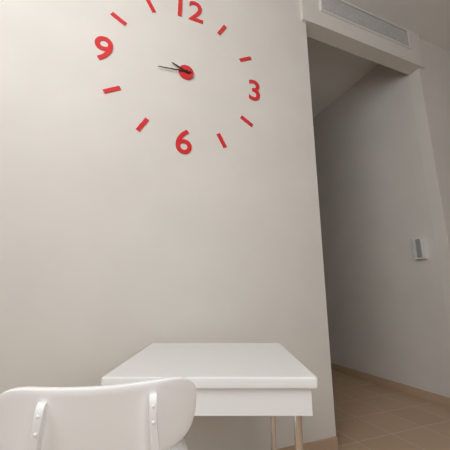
9h44
